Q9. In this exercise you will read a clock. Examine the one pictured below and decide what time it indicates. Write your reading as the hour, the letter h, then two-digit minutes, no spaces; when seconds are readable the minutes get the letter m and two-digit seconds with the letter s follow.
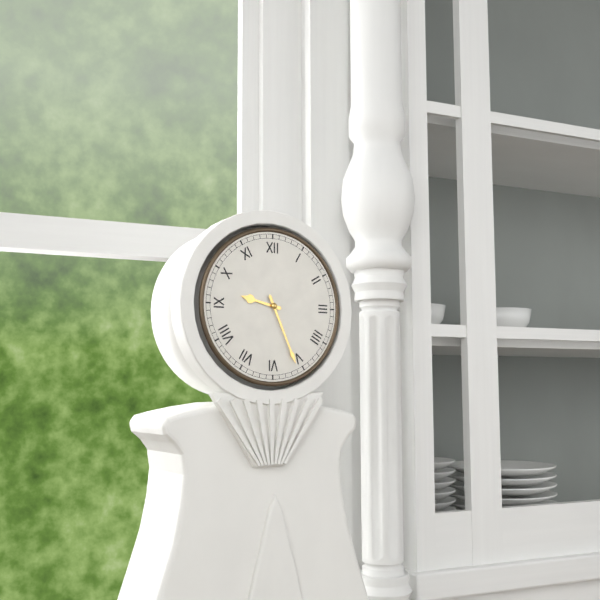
9h26
